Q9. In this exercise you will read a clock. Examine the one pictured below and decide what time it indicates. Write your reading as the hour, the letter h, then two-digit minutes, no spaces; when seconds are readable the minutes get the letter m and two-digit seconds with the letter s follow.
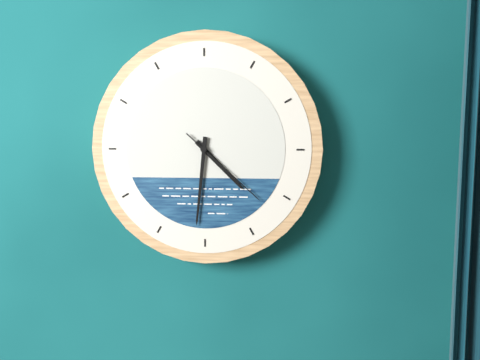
4h31m22s
